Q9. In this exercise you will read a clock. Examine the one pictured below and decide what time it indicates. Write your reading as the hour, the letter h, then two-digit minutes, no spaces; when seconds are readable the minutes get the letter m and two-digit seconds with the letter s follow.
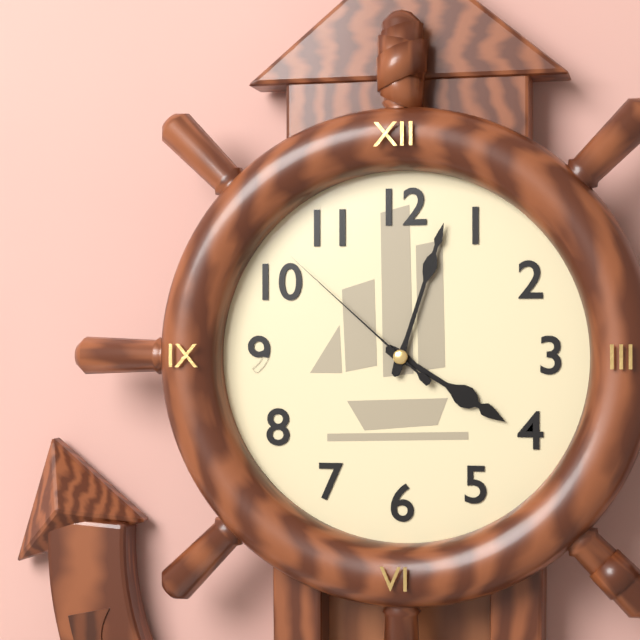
4h03m52s
